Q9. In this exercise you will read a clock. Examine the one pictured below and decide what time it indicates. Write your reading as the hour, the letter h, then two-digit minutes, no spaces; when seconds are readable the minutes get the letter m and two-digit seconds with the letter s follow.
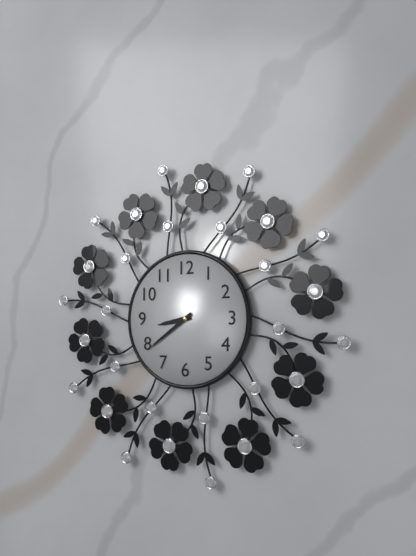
8h39
